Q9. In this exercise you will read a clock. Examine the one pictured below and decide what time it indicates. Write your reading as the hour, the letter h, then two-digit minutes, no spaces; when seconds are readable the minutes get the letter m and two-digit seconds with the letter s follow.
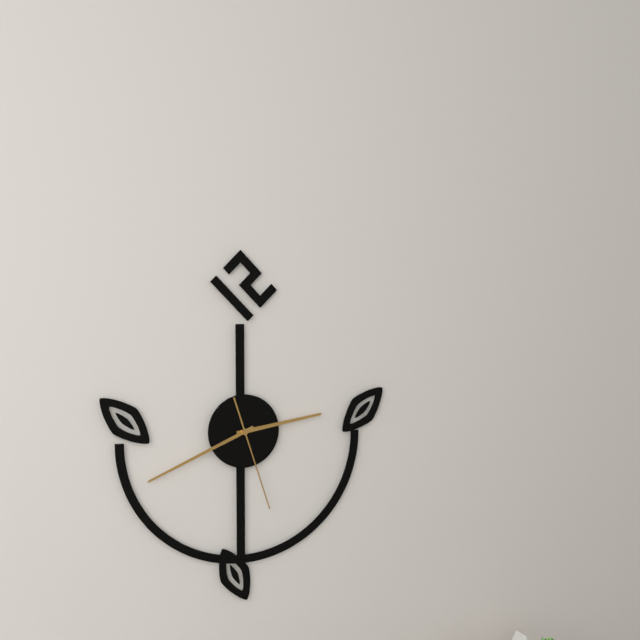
2h41m27s
